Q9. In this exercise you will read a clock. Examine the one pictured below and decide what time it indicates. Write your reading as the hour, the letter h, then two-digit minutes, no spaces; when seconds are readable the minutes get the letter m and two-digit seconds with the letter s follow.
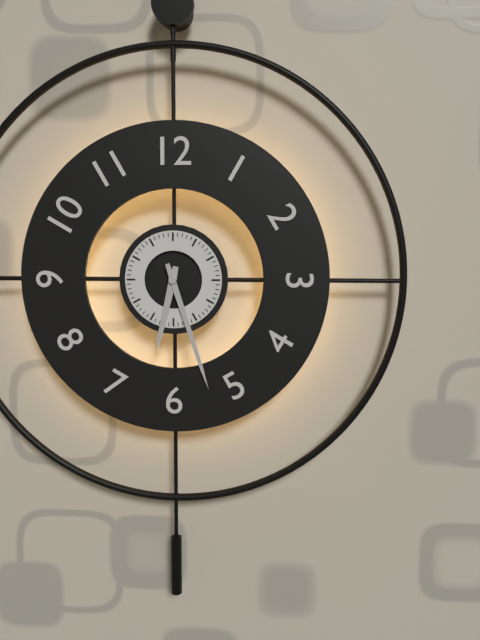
6h27
